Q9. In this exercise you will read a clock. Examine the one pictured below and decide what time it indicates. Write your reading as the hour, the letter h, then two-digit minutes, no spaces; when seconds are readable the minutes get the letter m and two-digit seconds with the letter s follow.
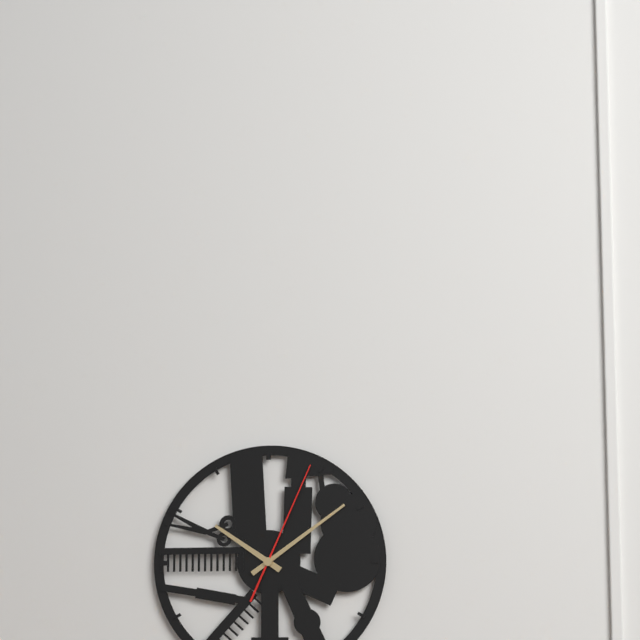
10h09m04s
